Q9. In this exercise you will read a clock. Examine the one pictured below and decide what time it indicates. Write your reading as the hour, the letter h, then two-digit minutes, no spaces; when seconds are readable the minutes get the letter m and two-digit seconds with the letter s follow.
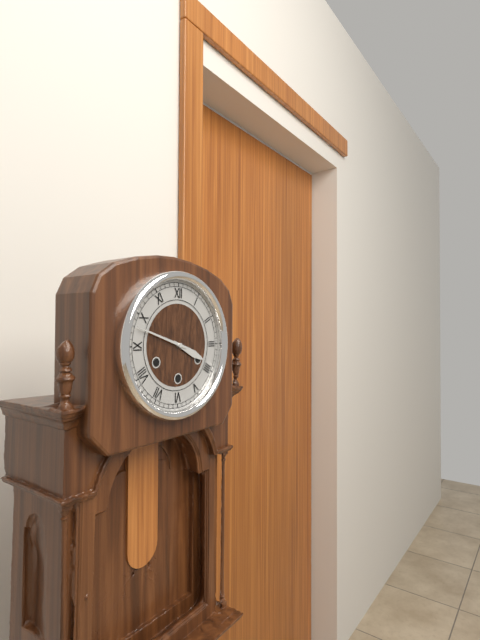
3h48
